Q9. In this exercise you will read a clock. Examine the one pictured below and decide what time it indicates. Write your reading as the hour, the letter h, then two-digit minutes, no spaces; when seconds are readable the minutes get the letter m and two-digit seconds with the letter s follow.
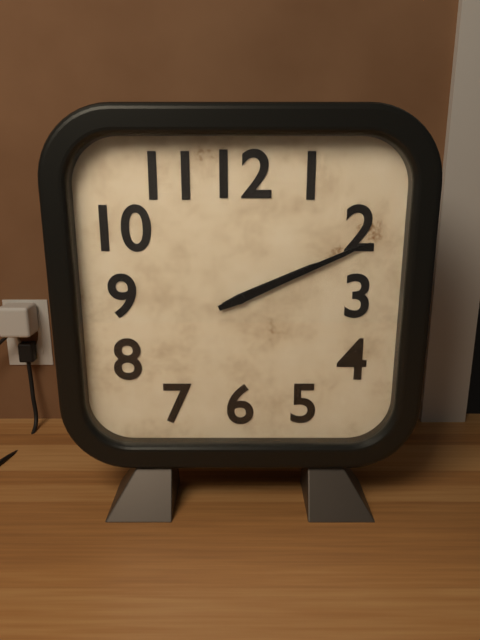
2h11
